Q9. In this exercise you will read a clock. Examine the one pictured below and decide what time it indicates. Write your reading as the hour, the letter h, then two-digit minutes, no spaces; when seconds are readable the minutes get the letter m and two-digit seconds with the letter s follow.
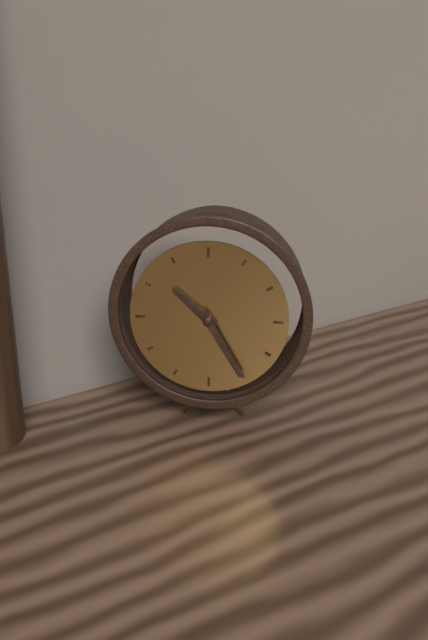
10h25
